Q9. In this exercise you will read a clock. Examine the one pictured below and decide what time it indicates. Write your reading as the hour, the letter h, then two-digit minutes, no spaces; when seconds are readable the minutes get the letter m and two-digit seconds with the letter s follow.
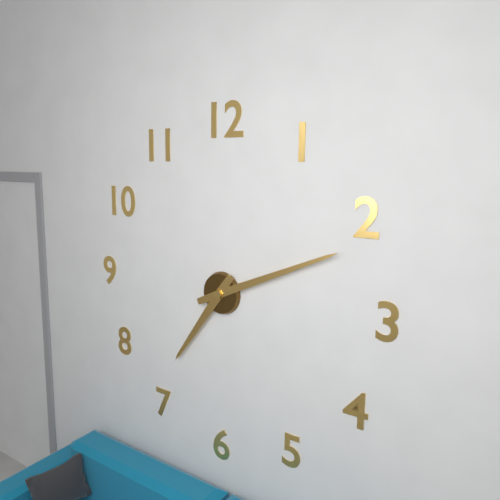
7h11
